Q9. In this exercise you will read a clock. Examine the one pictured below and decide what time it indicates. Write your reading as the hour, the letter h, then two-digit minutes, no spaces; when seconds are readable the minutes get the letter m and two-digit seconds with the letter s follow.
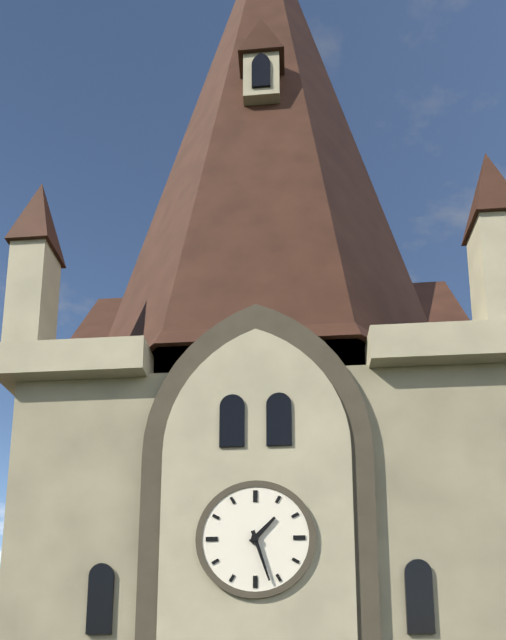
1h27
